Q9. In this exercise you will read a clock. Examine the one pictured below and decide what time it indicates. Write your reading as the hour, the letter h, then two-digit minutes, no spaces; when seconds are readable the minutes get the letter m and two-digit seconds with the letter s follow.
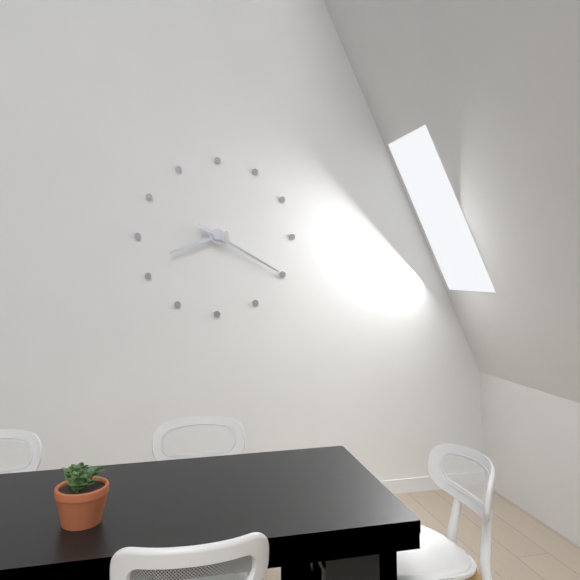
8h20
